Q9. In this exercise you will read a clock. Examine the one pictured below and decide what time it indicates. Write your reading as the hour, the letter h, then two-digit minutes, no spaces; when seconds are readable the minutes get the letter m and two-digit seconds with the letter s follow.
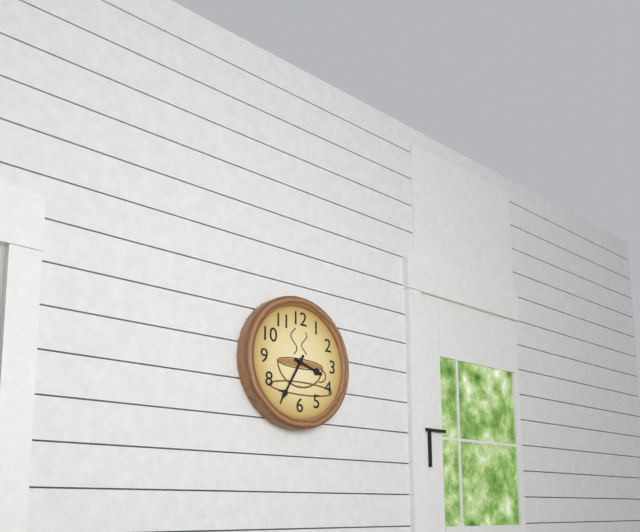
3h35
